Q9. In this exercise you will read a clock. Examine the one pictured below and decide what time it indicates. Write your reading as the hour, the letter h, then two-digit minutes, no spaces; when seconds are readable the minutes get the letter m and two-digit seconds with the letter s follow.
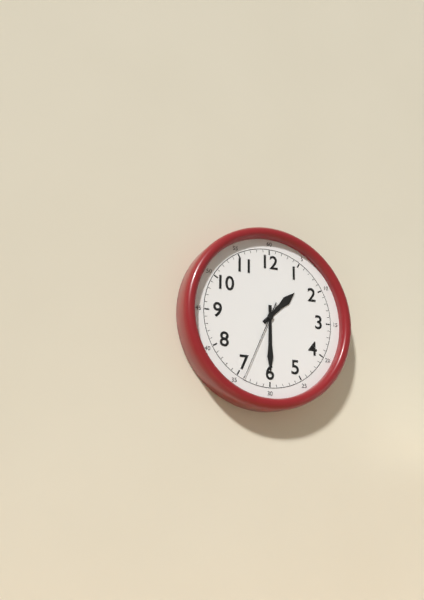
1h30m34s
